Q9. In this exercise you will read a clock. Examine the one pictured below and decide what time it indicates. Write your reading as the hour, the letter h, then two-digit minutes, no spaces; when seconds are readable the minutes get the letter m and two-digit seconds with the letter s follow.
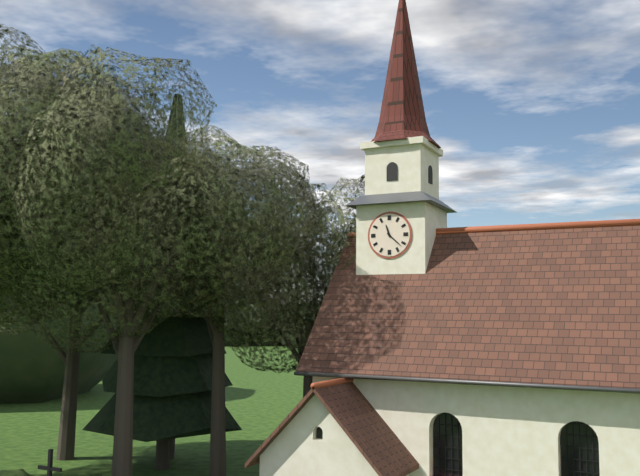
11h22
